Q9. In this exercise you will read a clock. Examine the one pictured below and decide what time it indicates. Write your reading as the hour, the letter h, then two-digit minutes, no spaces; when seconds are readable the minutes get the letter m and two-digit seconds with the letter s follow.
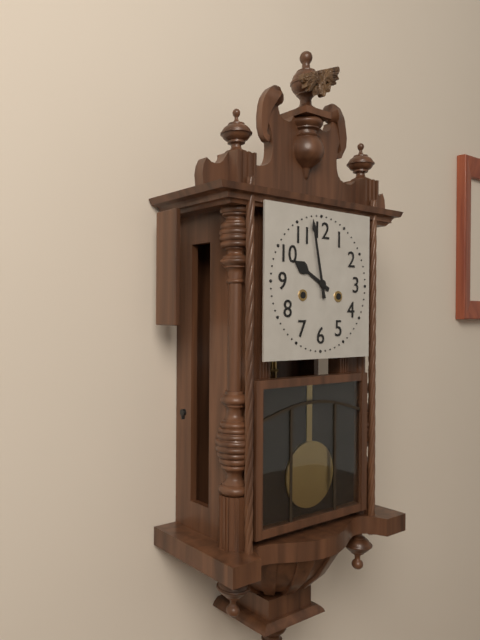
9h58
